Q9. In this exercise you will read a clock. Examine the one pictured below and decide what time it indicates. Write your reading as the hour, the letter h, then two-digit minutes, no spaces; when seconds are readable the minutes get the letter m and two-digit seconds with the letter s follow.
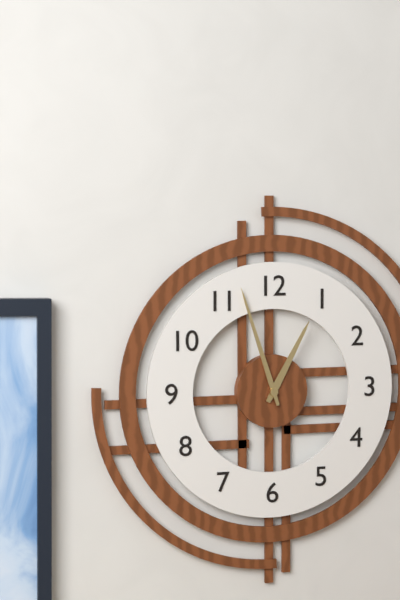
12h57
